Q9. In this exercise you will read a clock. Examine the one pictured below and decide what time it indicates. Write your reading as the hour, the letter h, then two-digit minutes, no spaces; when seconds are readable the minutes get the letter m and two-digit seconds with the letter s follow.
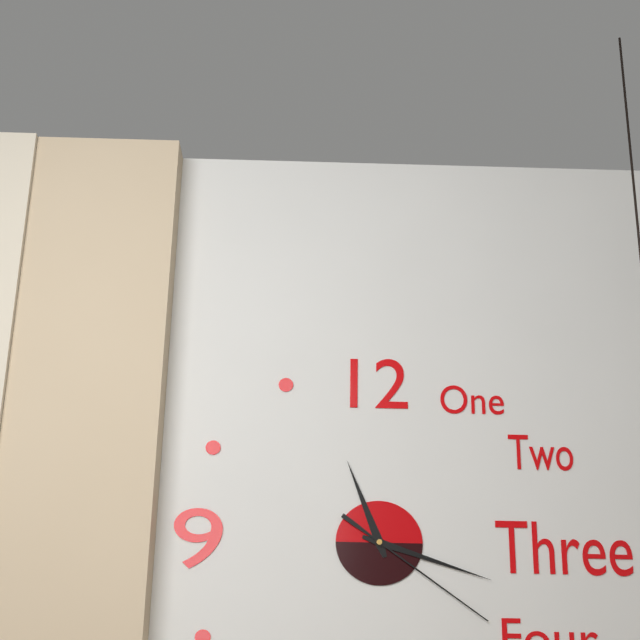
11h18m21s
